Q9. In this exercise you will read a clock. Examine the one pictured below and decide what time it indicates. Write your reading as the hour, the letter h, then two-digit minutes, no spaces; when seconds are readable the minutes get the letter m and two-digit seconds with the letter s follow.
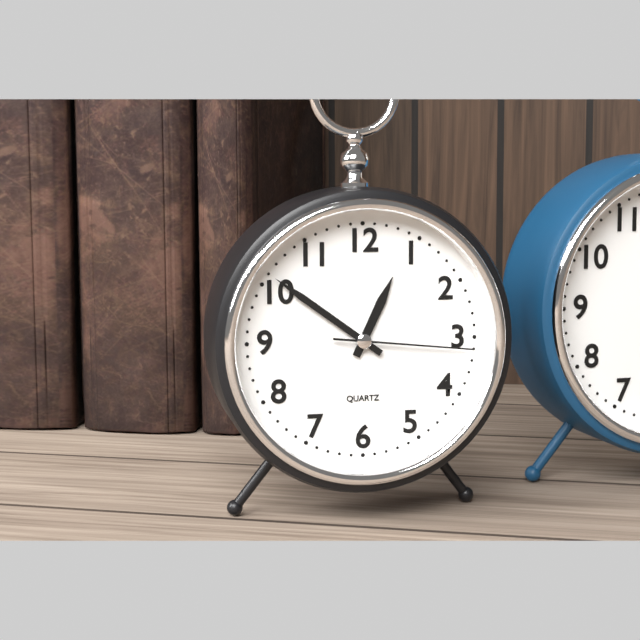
12h51m16s
